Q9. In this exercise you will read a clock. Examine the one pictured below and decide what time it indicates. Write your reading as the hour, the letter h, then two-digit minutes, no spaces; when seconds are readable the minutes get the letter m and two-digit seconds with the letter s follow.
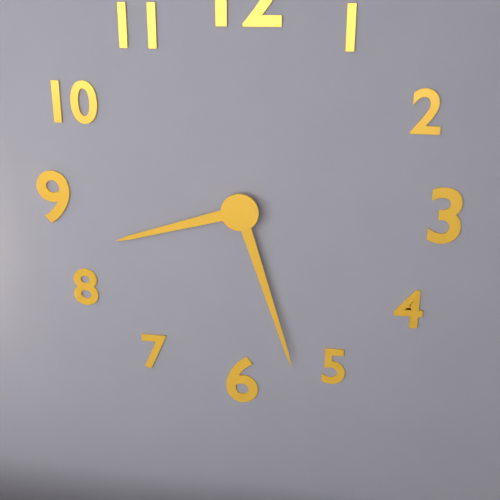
8h27
